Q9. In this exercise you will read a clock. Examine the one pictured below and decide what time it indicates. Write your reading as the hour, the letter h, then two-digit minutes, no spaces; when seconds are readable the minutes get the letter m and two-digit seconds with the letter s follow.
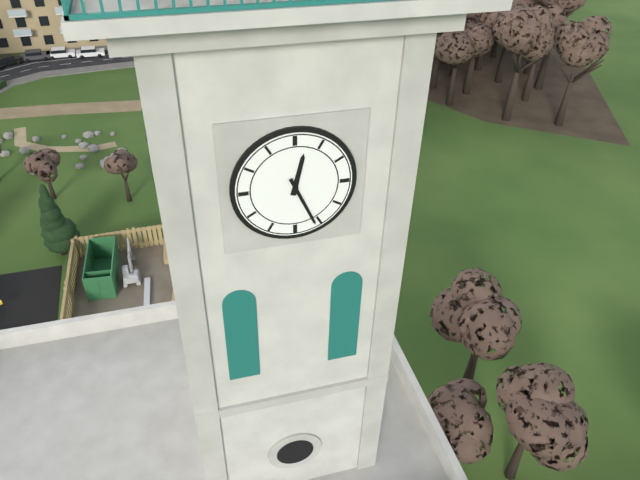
12h26
